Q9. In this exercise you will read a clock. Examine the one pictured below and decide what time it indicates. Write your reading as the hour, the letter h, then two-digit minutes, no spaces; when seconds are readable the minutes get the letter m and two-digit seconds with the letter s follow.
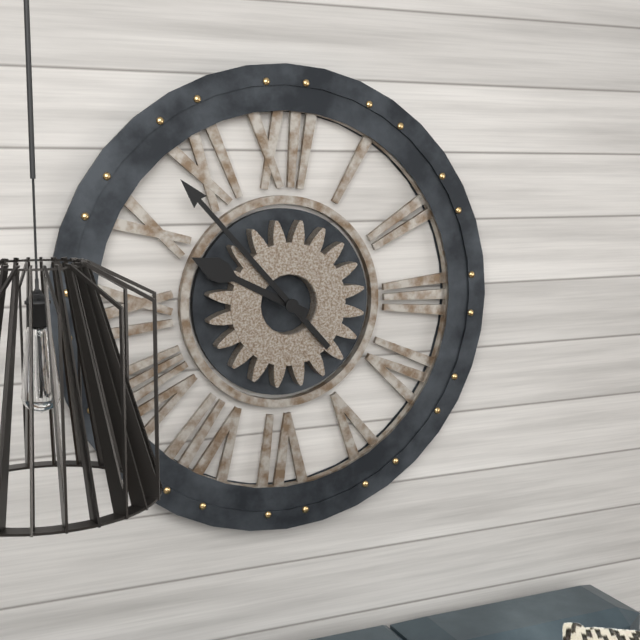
9h53
